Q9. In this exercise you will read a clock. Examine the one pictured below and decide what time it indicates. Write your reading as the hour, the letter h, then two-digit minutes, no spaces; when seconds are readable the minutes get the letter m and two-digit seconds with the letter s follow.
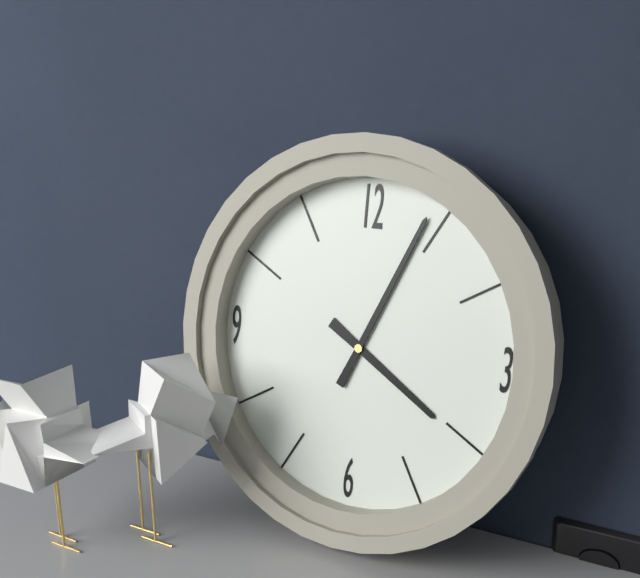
4h04
